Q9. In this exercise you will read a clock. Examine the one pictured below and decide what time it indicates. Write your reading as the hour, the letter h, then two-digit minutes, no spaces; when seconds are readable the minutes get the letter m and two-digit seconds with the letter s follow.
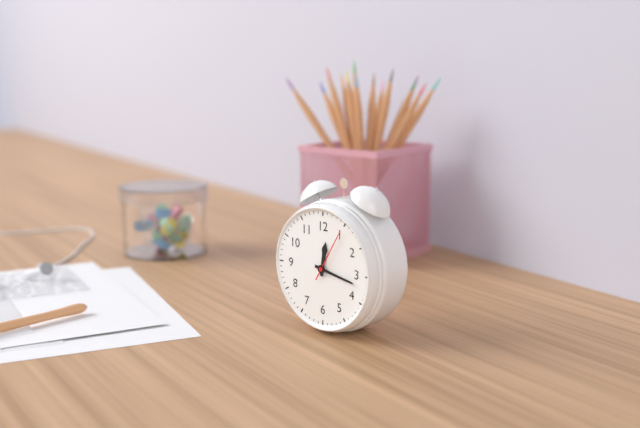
12h17m05s
